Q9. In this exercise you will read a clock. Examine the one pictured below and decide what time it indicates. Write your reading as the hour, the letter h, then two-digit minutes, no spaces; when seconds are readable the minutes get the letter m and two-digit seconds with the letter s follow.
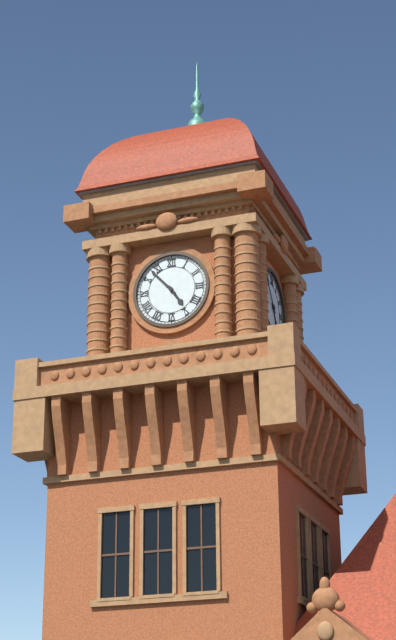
4h53
